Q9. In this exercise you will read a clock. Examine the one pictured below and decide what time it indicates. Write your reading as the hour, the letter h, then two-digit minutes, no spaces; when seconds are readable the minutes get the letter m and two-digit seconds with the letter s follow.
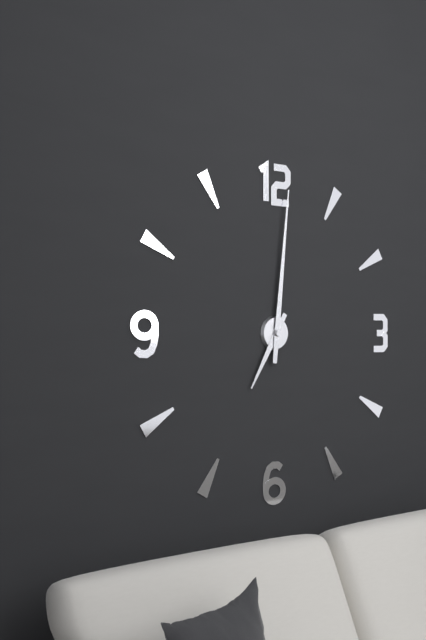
7h01
